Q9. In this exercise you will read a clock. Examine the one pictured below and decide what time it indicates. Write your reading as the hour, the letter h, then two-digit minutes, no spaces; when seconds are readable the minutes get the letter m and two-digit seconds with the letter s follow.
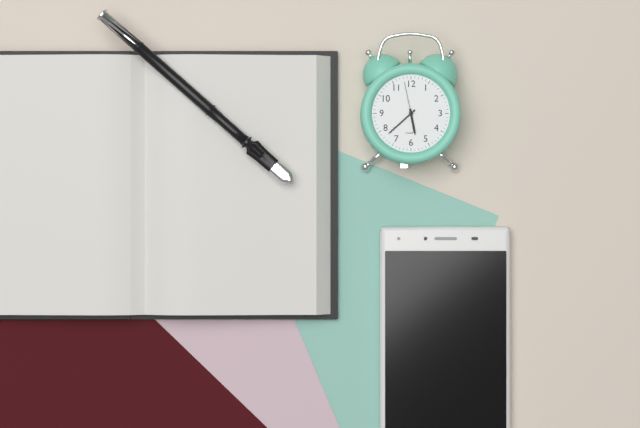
5h38
